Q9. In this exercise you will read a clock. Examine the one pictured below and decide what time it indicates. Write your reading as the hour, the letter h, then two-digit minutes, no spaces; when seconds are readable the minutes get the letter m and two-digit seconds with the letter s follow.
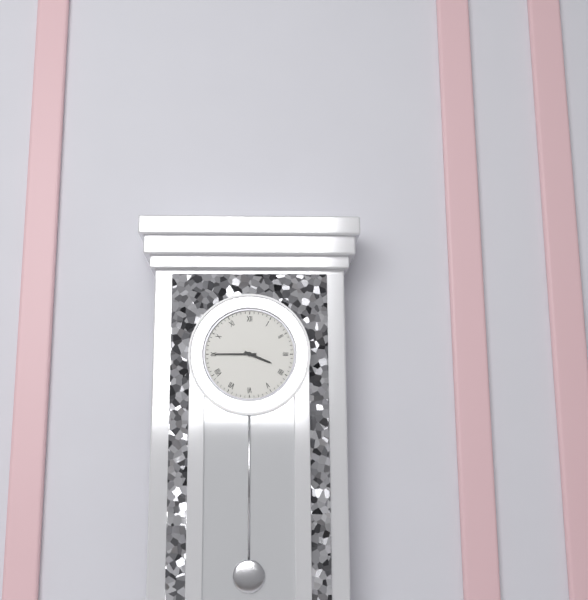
3h45
